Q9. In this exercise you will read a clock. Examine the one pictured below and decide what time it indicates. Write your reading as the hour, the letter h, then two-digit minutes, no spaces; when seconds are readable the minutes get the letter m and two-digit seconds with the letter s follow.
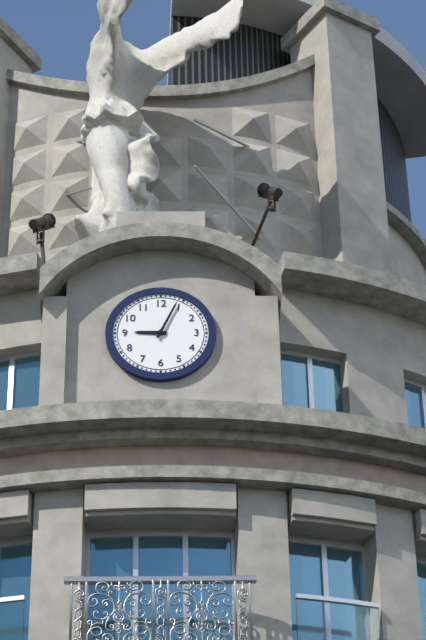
9h04
